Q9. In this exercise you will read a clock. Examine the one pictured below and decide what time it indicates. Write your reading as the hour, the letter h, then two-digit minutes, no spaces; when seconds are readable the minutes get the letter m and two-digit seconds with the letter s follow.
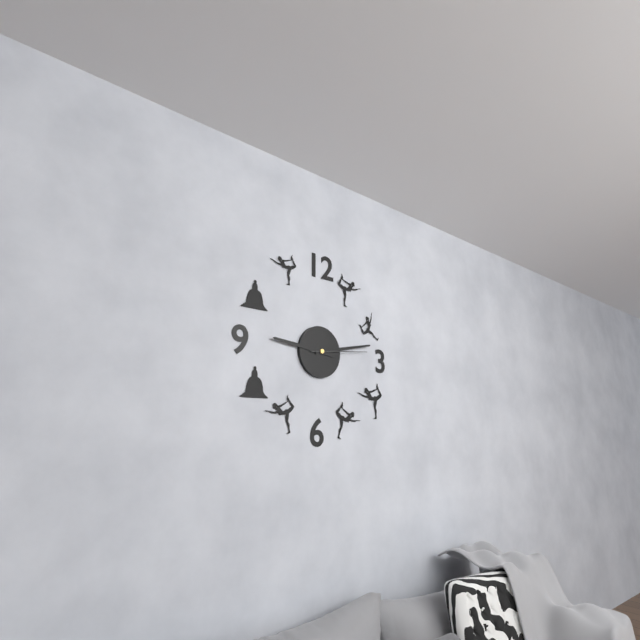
9h13m14s
